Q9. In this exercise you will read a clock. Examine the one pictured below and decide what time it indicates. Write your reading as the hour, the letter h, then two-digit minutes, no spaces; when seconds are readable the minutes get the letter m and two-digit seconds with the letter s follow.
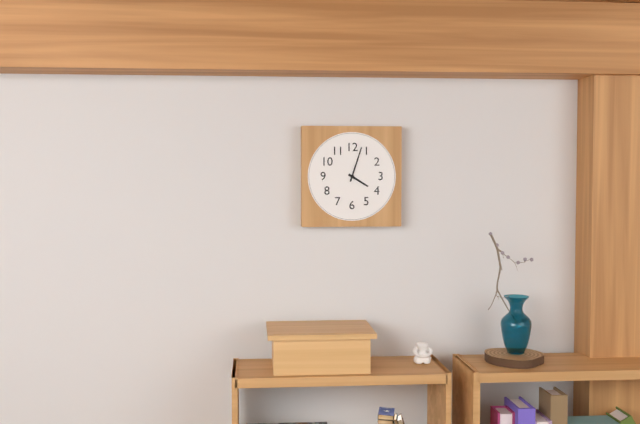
4h03
